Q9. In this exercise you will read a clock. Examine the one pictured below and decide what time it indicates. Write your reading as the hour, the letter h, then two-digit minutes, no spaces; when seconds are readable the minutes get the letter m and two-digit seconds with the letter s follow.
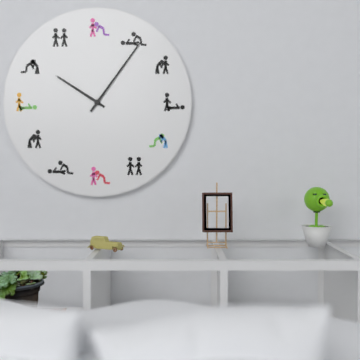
10h06
